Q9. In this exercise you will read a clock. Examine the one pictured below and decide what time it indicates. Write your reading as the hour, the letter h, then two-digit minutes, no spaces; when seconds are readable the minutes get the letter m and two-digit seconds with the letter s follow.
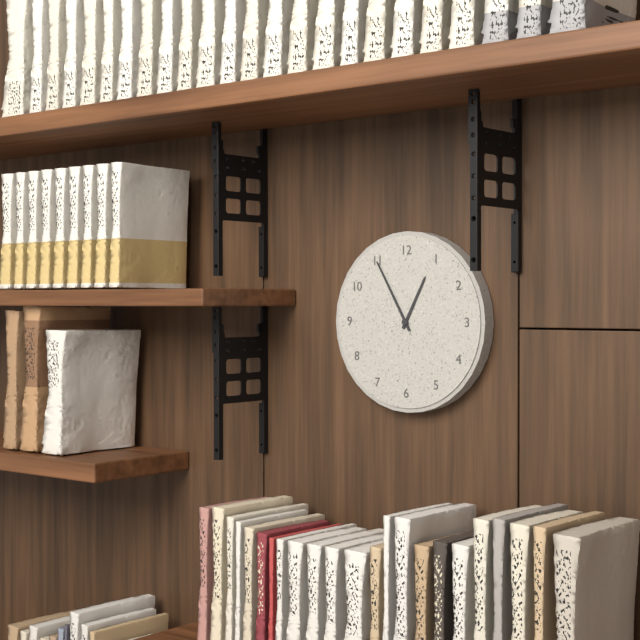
12h55
